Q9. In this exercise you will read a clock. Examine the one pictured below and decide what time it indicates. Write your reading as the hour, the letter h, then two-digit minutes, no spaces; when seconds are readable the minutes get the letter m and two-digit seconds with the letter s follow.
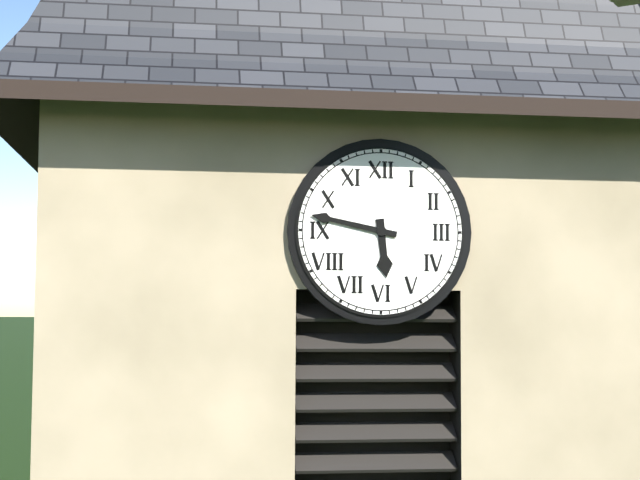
5h47
